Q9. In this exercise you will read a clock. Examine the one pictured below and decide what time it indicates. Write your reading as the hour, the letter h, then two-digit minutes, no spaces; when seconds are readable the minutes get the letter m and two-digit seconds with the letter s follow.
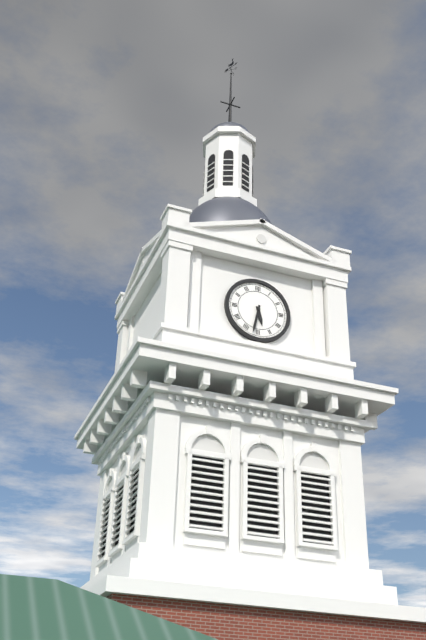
5h32
